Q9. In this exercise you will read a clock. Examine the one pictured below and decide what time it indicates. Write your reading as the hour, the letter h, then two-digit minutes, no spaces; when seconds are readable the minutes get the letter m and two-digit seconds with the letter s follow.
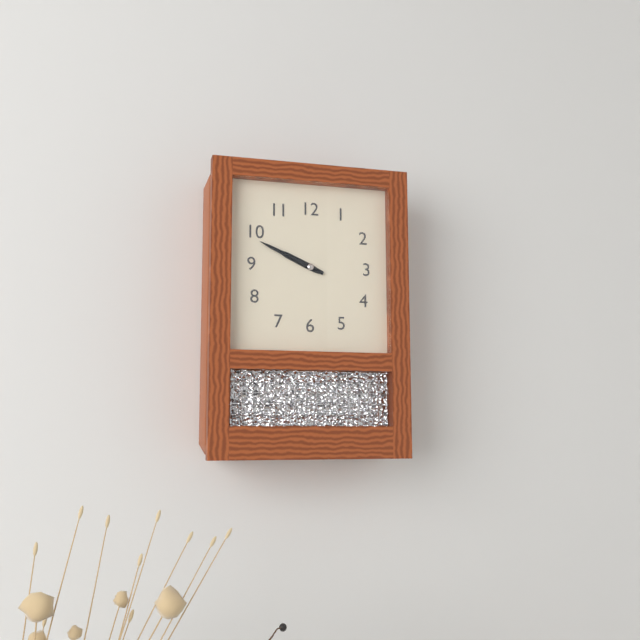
9h49
